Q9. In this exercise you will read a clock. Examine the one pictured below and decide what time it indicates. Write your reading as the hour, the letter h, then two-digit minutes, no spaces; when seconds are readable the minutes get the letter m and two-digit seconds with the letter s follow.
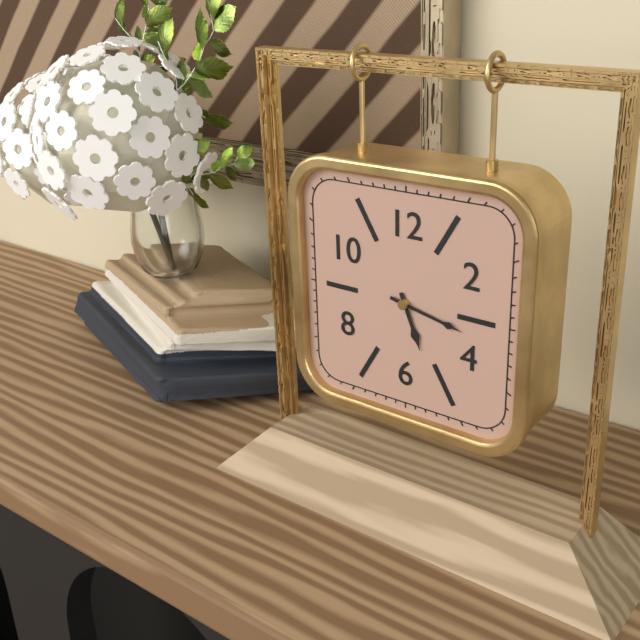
5h17
